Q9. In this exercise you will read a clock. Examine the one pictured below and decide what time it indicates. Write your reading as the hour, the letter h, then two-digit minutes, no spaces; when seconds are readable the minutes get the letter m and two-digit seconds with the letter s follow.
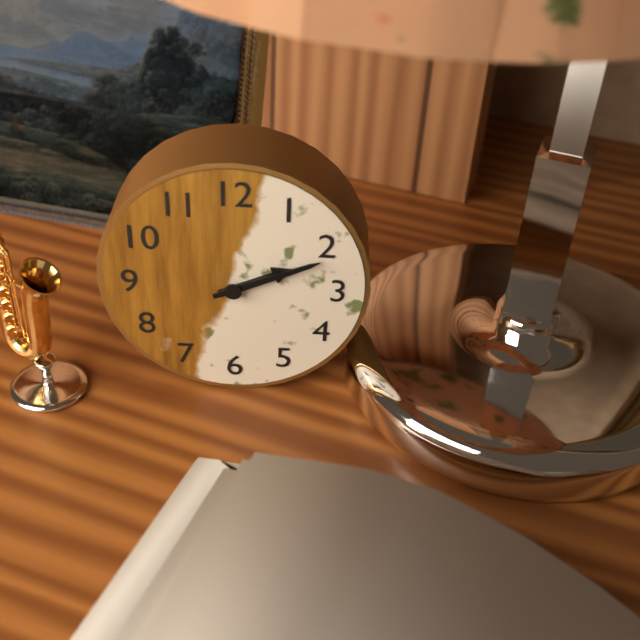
2h11
